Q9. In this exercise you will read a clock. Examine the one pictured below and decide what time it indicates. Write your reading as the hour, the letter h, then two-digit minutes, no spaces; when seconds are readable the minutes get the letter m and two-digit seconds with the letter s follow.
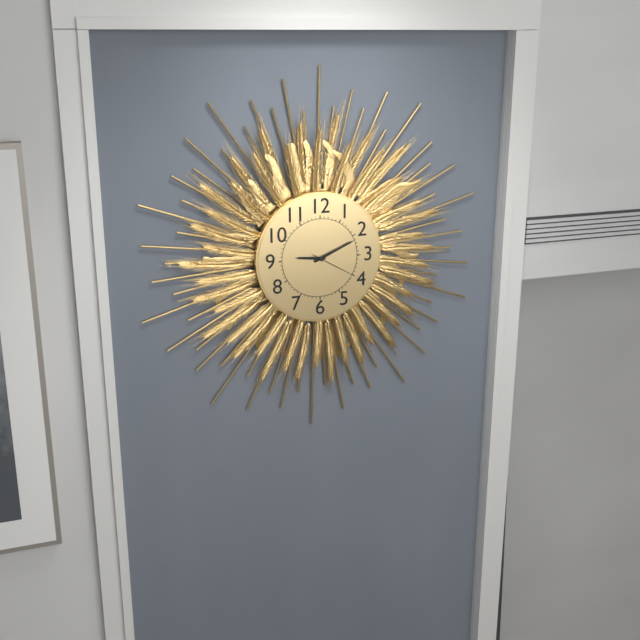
9h11
